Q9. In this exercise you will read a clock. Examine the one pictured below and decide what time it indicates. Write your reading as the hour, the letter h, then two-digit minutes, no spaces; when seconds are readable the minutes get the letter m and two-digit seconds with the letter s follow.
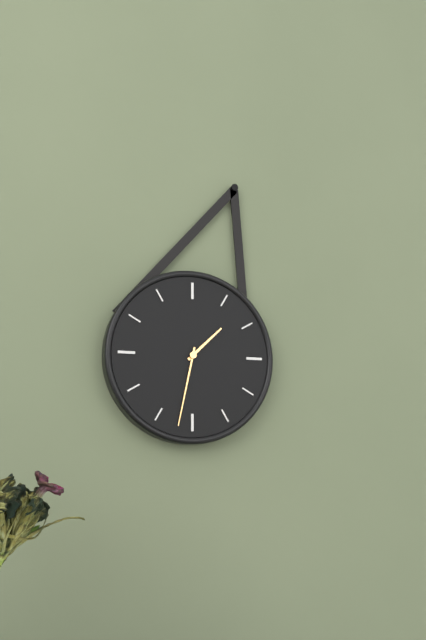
1h32
